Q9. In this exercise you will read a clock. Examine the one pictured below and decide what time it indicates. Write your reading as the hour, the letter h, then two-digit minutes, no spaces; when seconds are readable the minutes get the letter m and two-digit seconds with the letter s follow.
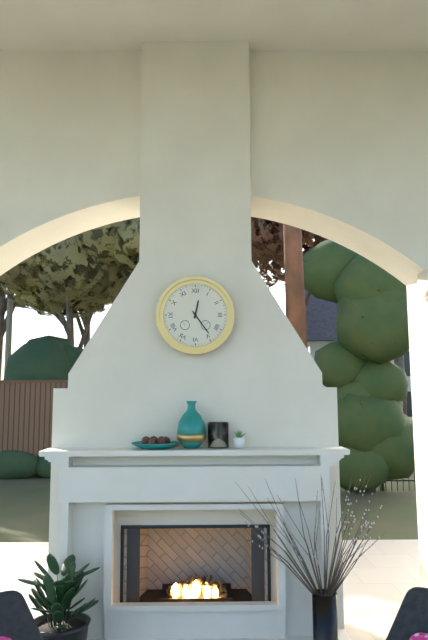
12h24
